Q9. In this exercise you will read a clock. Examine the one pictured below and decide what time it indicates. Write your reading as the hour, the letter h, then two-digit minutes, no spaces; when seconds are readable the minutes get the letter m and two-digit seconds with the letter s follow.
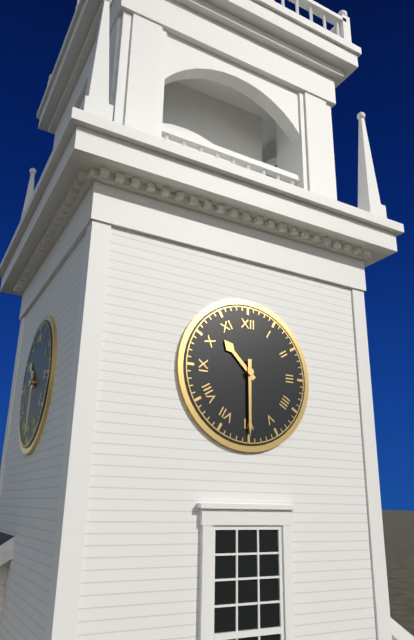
10h30
